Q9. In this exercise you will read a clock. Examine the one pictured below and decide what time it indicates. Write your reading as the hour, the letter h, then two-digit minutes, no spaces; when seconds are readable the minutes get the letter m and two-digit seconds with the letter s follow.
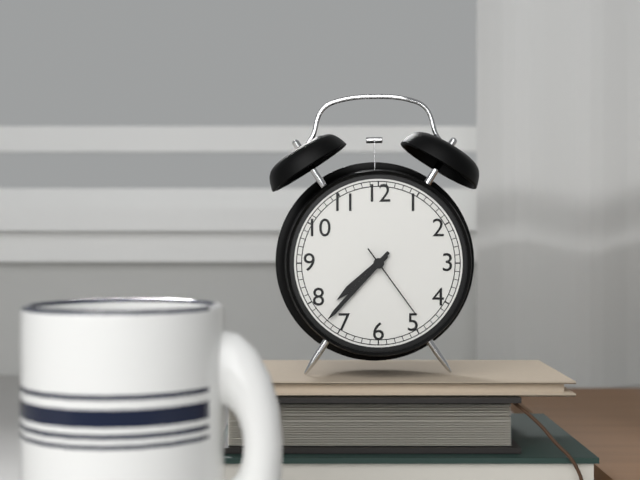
7h37m24s
